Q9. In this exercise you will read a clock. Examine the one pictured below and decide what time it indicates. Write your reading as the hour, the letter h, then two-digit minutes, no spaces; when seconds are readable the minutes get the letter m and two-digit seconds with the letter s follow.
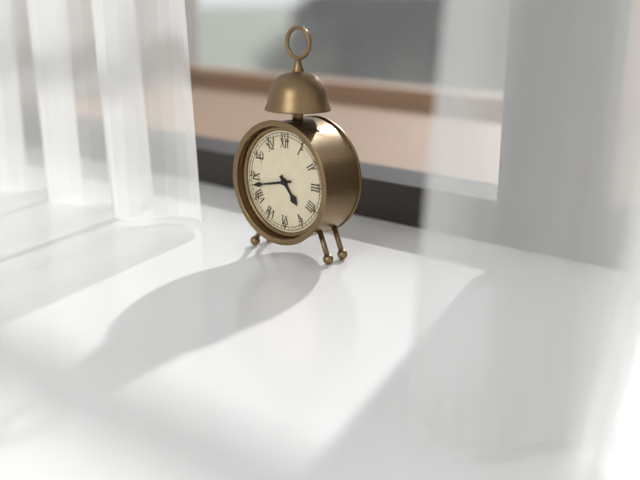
4h43
